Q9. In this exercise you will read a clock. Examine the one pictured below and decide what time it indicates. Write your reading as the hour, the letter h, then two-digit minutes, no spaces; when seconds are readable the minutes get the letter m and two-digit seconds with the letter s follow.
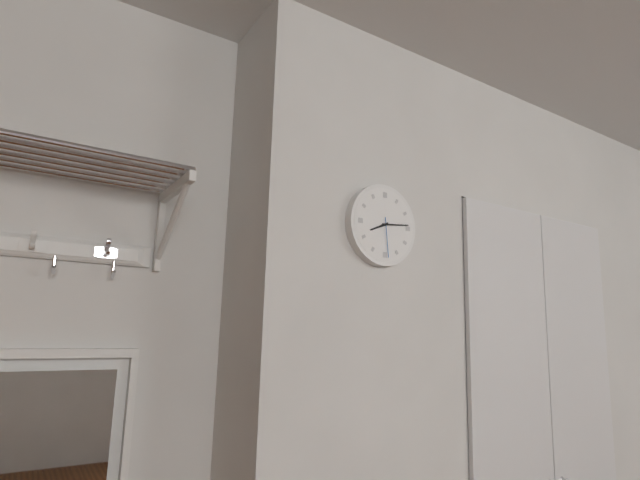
8h14
